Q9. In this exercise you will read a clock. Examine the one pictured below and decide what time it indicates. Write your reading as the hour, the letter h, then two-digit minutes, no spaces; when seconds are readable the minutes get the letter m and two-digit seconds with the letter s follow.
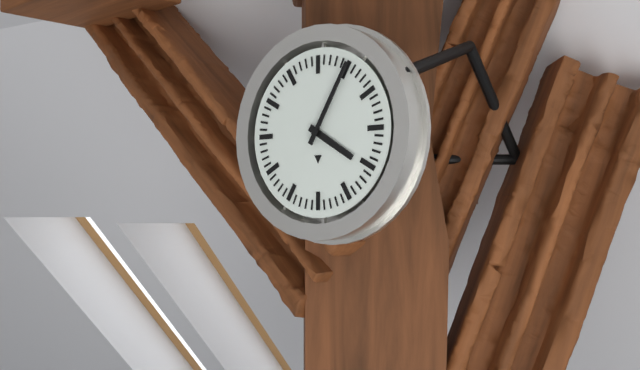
4h05
